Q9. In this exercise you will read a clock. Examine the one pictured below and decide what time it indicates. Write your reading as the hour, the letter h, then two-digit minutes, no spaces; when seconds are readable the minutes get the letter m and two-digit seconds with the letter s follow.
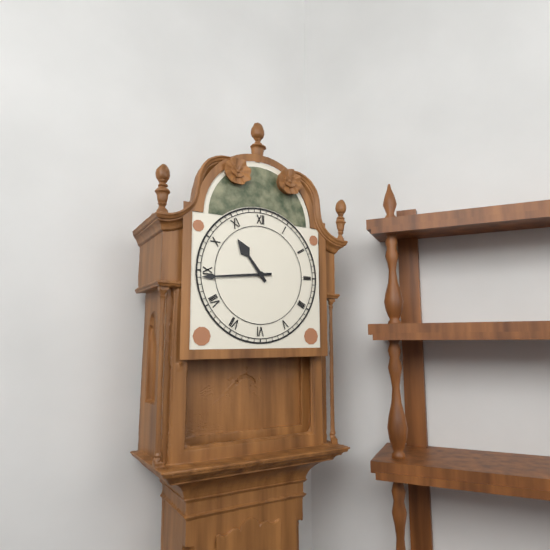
10h44
